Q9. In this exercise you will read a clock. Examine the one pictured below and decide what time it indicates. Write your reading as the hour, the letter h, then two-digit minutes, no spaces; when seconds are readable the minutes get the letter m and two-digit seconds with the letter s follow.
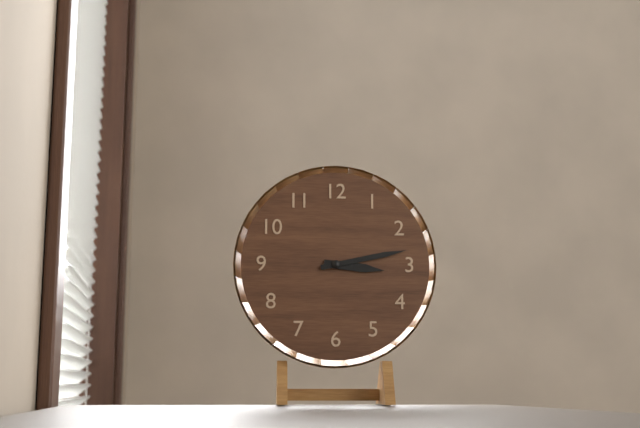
3h13
